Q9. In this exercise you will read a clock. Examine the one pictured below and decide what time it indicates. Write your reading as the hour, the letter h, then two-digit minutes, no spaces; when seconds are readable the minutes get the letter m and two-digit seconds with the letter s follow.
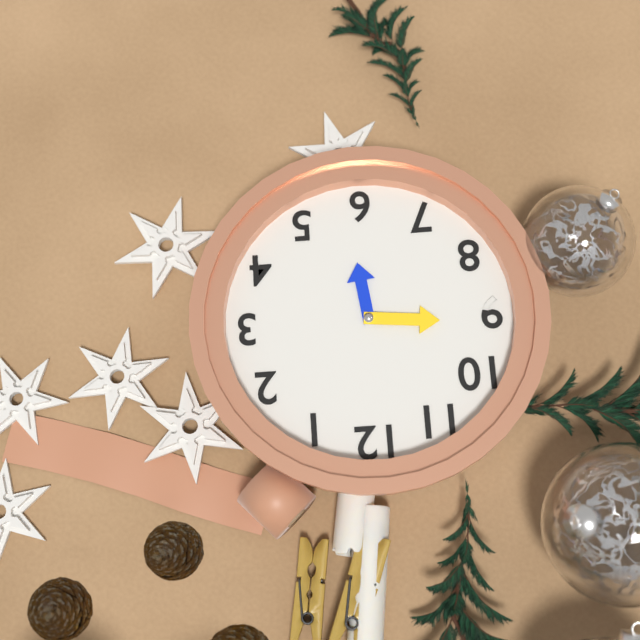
5h46
